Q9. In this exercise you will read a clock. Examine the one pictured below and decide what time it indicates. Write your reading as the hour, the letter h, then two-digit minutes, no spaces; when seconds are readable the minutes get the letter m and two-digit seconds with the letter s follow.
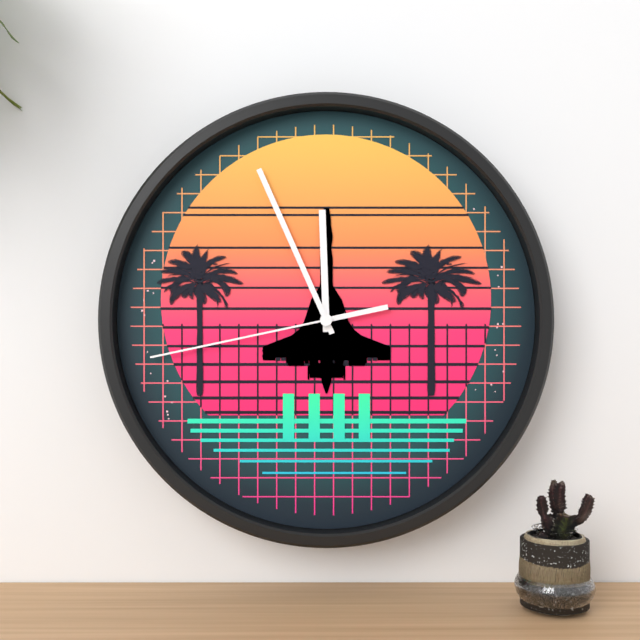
11h56m43s
